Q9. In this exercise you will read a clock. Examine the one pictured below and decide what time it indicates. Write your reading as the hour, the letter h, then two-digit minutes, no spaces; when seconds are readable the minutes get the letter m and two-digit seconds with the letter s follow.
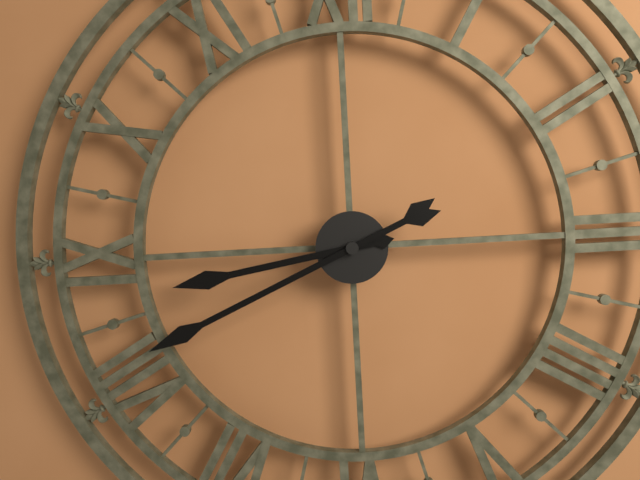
8h41
